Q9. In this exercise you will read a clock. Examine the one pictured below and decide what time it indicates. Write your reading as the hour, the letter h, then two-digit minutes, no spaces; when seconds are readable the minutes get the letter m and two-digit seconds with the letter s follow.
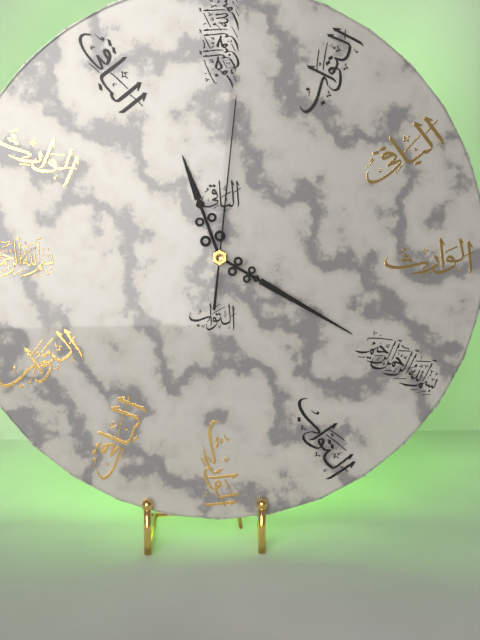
11h20m01s
